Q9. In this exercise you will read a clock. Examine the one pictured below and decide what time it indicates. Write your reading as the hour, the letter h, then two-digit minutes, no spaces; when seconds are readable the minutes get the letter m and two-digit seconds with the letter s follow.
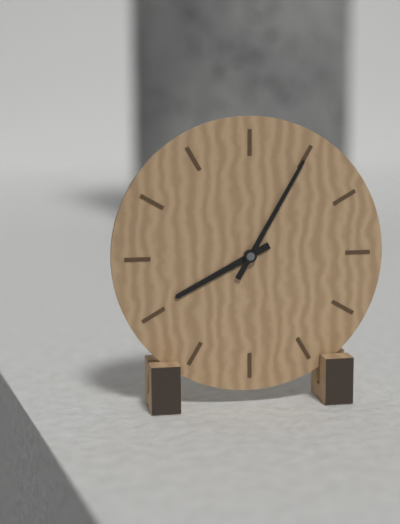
8h05
